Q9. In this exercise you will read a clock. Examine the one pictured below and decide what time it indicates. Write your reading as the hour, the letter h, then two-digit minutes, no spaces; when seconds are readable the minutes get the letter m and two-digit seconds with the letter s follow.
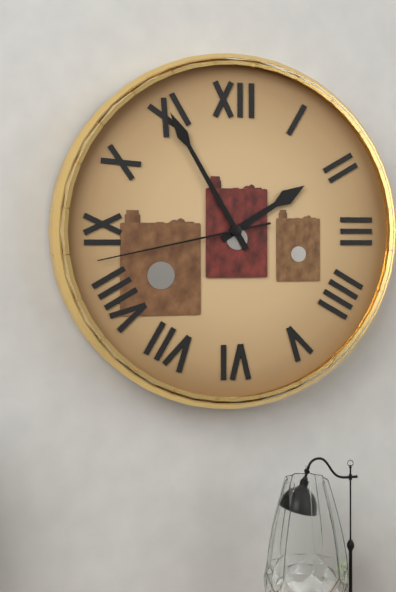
1h55m43s
